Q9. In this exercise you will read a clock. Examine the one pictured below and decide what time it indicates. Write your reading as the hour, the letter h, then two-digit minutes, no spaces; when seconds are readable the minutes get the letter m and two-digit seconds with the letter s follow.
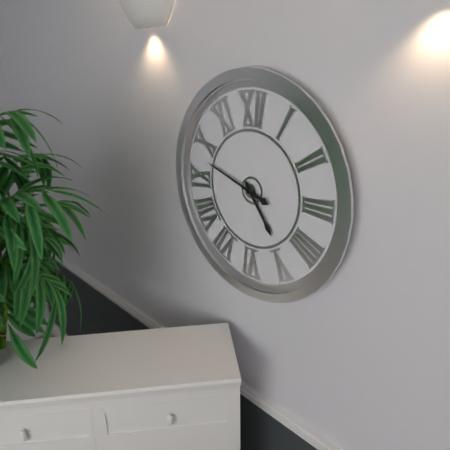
4h48
